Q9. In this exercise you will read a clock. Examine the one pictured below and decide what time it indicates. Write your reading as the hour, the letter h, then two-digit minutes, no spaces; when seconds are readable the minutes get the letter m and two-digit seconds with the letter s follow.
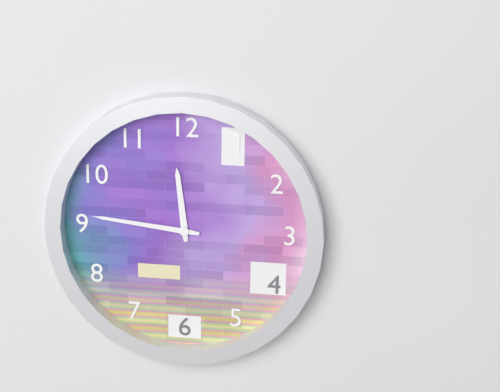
11h46
